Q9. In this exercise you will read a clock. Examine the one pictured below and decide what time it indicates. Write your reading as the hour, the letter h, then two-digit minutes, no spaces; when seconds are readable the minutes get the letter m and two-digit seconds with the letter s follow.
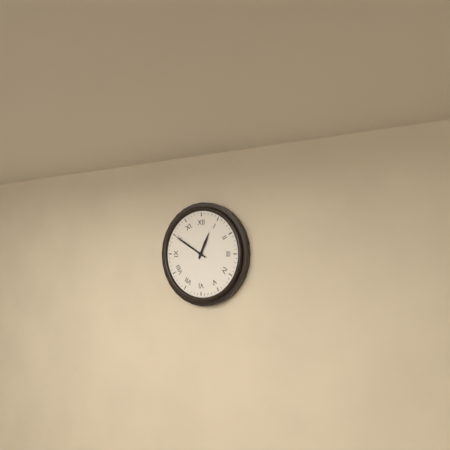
12h50
